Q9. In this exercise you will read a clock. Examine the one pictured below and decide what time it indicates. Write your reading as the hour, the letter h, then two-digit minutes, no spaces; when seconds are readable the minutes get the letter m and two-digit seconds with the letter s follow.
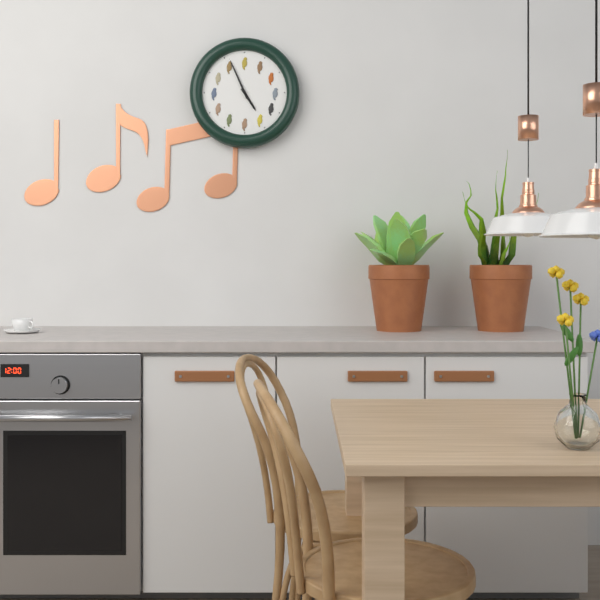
4h56
